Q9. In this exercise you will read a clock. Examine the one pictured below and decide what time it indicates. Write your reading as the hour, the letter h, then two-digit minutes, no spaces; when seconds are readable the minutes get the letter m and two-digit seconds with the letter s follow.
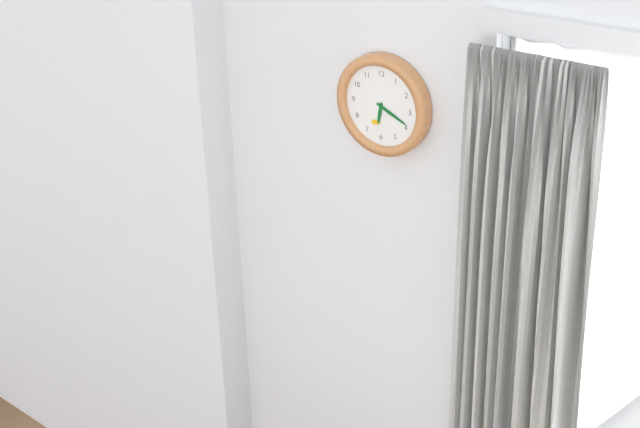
6h19
